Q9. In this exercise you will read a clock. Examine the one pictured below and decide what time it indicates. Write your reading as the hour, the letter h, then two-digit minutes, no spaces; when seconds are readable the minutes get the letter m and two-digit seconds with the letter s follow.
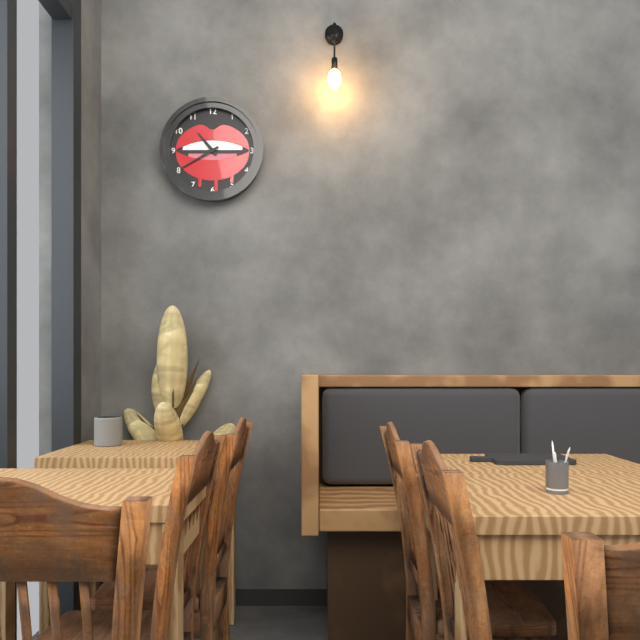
10h40
